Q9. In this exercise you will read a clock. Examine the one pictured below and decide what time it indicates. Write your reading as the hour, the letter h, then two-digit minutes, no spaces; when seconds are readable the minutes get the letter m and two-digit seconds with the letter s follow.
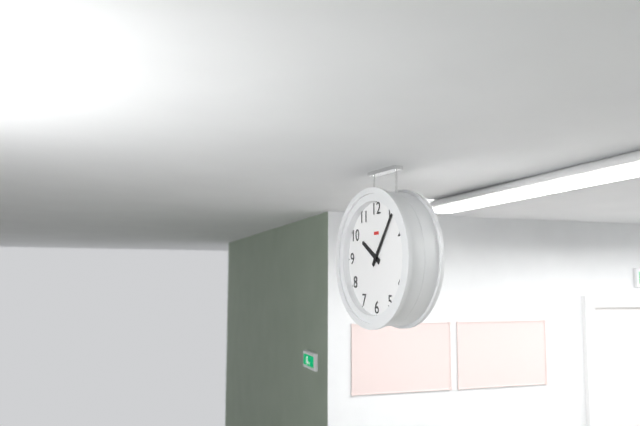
10h06
